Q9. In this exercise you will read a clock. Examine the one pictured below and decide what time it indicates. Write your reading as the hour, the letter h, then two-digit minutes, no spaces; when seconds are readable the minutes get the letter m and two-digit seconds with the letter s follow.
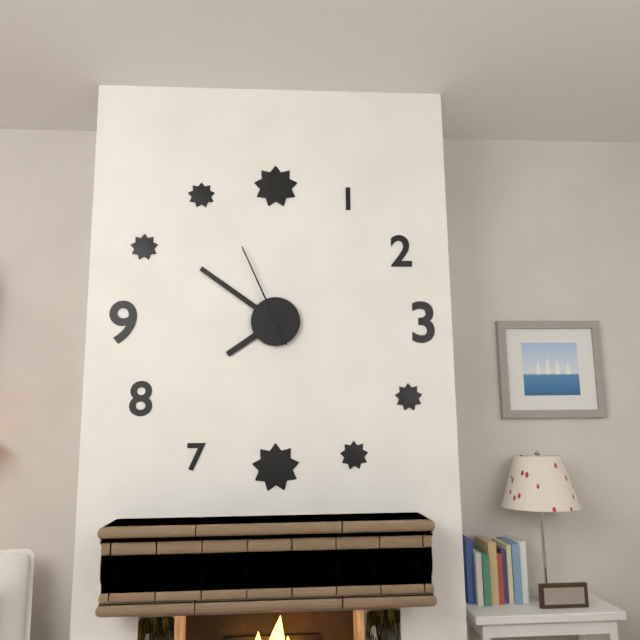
7h51m56s
